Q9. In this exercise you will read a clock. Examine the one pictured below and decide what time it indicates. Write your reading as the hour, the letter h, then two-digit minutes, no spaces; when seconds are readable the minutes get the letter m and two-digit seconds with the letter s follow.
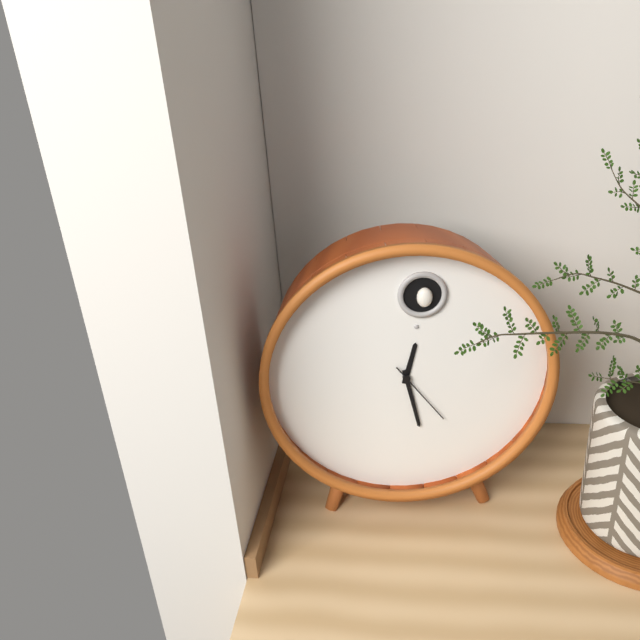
12h28m24s
